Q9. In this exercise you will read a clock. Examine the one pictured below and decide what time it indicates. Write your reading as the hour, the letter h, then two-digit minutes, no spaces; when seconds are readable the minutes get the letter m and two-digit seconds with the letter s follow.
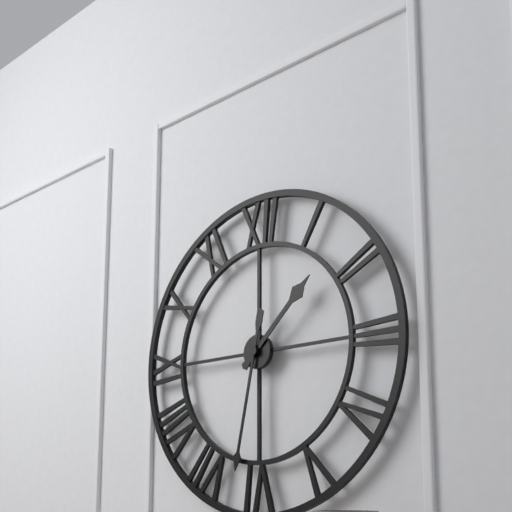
1h32
